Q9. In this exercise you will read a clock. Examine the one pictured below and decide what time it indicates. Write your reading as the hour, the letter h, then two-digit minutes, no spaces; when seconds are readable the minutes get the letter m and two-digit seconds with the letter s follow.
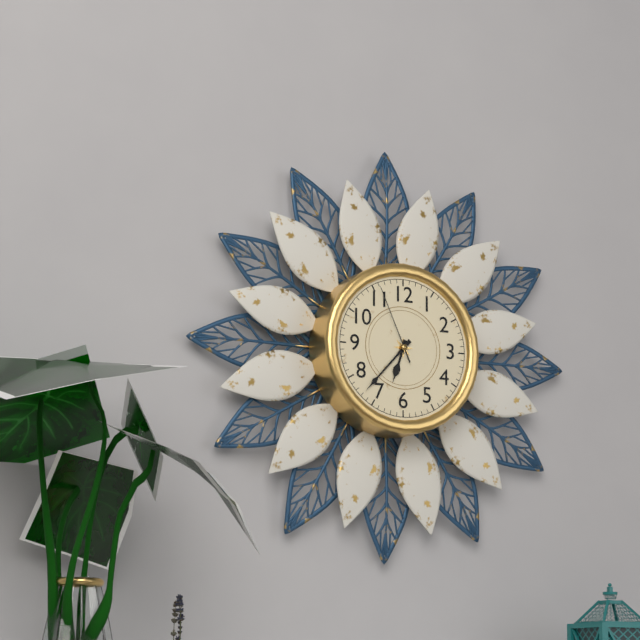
6h37m56s
